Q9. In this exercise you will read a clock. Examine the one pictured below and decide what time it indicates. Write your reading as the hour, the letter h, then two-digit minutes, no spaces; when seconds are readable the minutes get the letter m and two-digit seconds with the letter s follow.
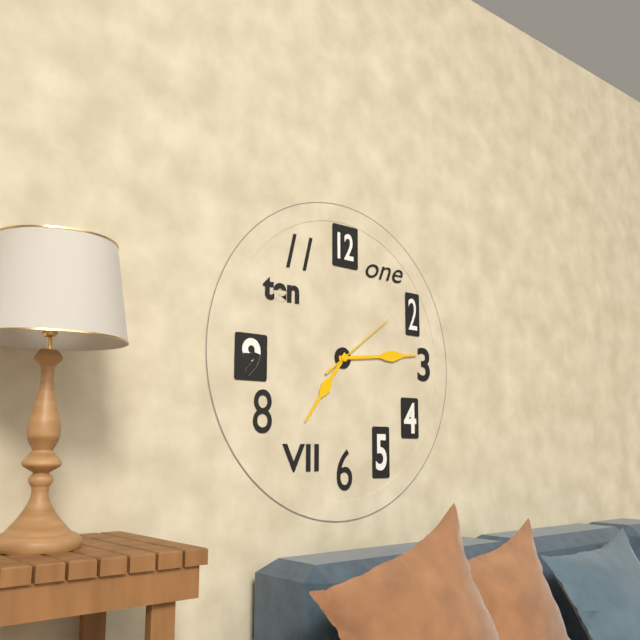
7h14m09s
